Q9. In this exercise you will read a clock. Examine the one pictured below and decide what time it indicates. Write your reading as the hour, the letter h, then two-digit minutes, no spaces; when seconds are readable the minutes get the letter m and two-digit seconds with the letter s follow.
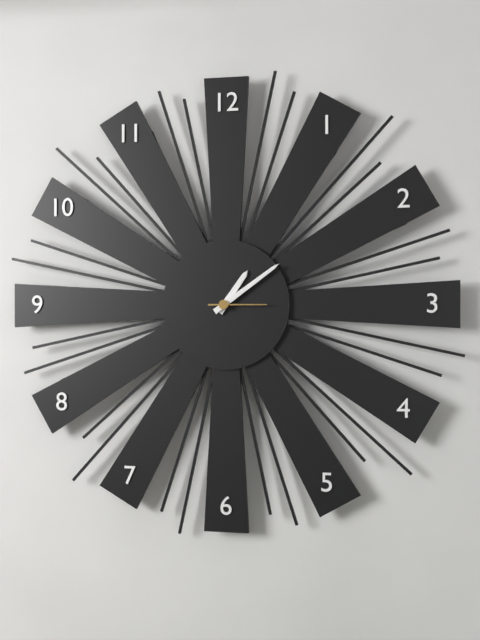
1h09
